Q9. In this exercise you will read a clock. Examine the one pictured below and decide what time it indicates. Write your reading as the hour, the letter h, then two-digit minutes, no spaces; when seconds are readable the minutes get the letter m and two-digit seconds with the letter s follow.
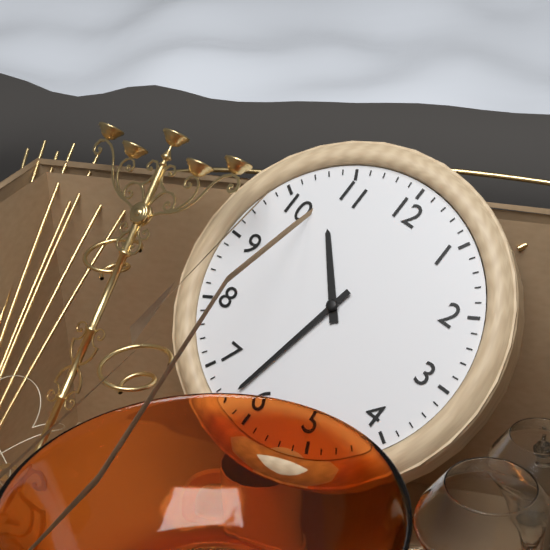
10h32
